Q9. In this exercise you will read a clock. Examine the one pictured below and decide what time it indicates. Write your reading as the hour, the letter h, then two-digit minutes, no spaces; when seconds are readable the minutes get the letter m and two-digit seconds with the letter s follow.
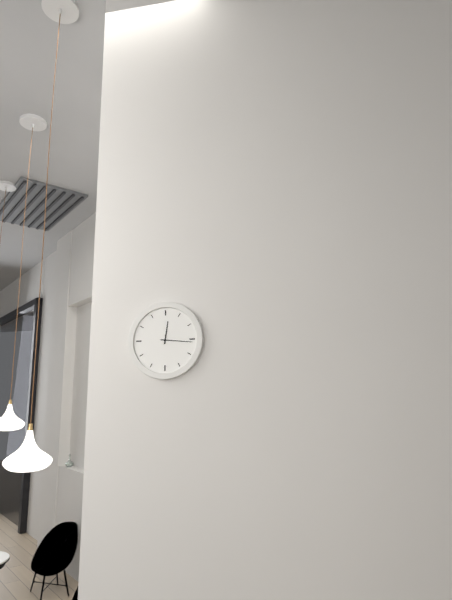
12h16
